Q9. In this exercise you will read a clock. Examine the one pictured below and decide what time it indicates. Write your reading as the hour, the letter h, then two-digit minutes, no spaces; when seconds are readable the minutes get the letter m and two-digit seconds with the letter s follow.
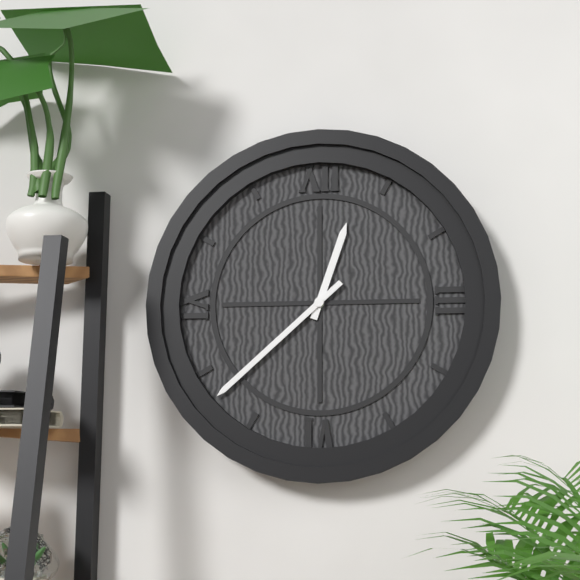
12h38
